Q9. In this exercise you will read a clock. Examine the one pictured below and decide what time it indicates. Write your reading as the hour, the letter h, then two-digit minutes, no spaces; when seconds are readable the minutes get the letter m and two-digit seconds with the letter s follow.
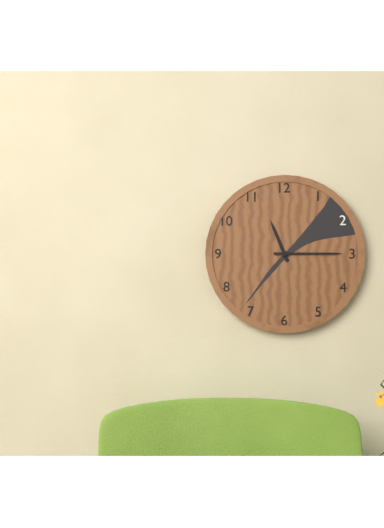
11h15
